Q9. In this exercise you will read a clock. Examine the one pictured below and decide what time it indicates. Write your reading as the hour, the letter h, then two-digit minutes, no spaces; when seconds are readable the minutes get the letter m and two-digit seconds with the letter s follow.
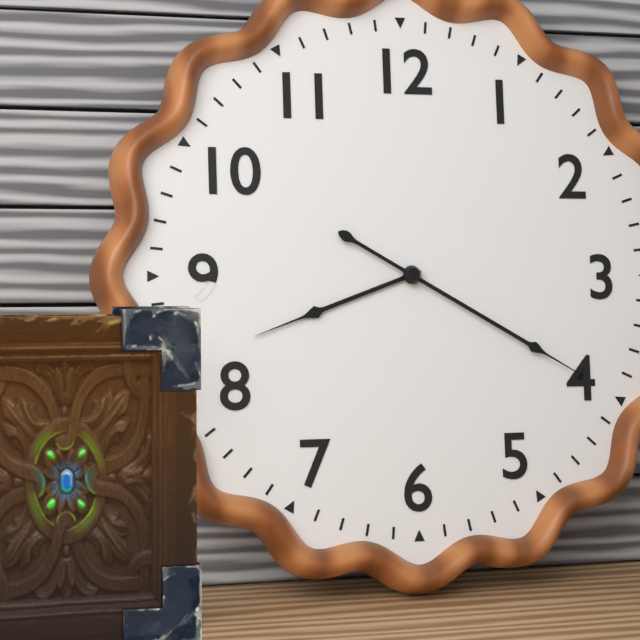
8h20
